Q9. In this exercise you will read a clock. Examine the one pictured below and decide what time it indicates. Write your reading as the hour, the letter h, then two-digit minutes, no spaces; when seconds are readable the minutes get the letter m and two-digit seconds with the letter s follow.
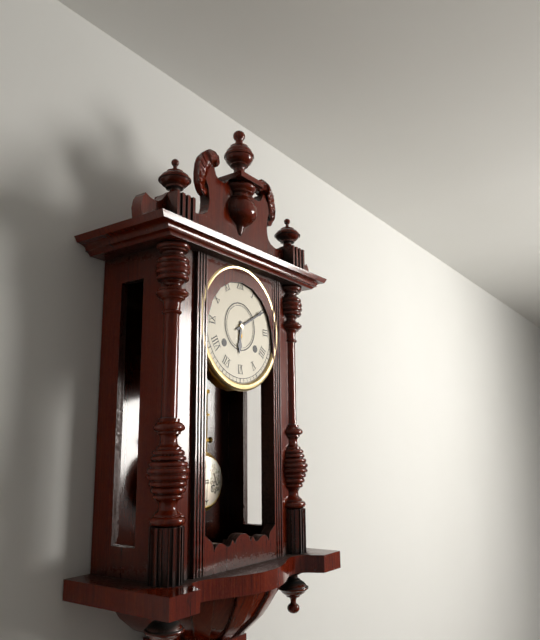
6h10
